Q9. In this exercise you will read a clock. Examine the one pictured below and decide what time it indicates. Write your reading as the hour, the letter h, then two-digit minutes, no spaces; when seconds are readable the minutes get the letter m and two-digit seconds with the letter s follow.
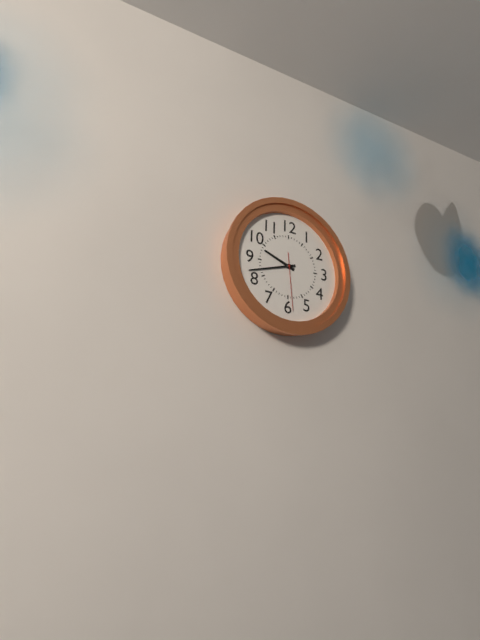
9h42m29s
